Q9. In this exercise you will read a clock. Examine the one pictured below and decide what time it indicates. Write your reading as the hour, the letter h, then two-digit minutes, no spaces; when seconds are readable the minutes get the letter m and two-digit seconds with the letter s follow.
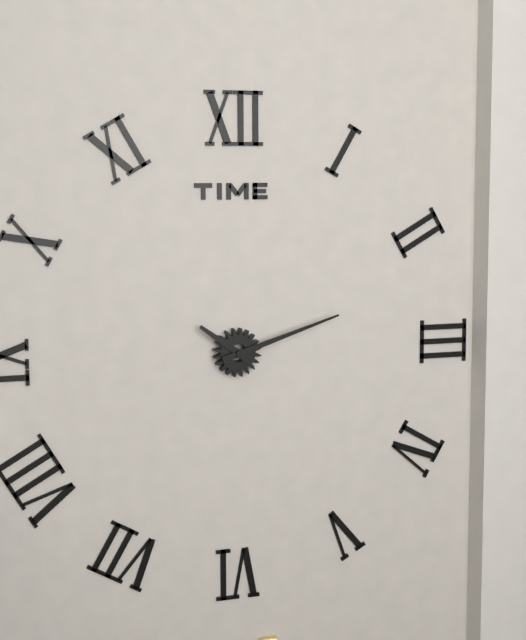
10h12
